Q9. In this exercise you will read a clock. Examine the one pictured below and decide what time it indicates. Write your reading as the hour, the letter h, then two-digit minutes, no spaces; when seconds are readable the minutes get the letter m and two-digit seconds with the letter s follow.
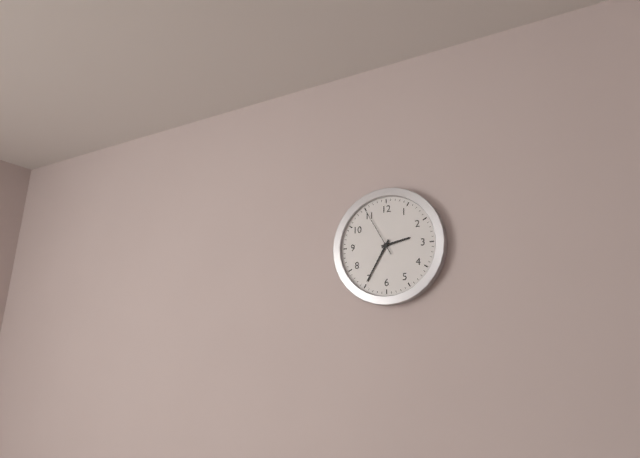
2h35m55s
